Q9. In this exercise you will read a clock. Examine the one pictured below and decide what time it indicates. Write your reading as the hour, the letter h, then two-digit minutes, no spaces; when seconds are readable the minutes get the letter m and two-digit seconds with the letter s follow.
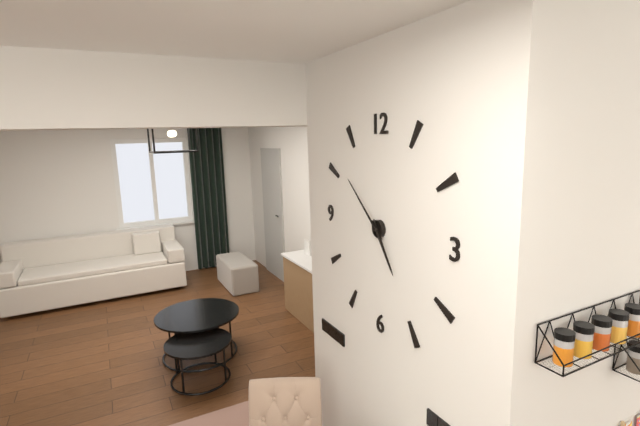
4h52
